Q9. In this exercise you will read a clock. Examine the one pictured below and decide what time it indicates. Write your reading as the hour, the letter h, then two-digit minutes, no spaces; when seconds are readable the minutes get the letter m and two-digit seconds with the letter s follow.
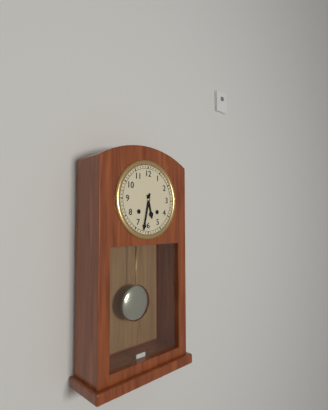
5h32
